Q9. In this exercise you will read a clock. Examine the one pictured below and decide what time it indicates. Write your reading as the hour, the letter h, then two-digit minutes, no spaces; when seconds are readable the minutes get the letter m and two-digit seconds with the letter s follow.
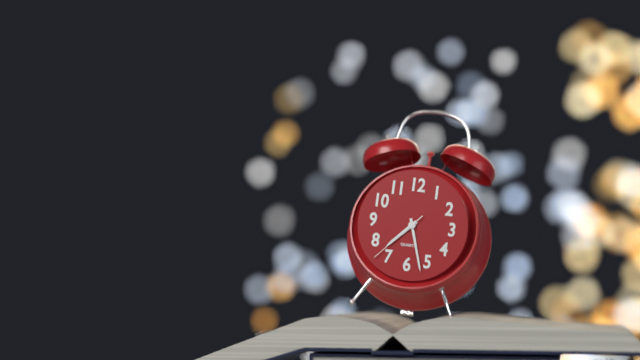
7h27m37s
